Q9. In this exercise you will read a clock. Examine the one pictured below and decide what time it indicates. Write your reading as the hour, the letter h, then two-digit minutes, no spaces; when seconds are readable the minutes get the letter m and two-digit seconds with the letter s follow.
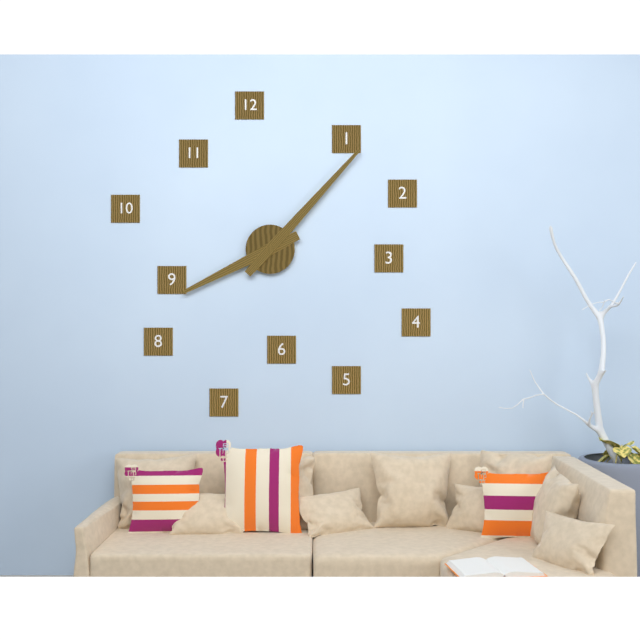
8h07
